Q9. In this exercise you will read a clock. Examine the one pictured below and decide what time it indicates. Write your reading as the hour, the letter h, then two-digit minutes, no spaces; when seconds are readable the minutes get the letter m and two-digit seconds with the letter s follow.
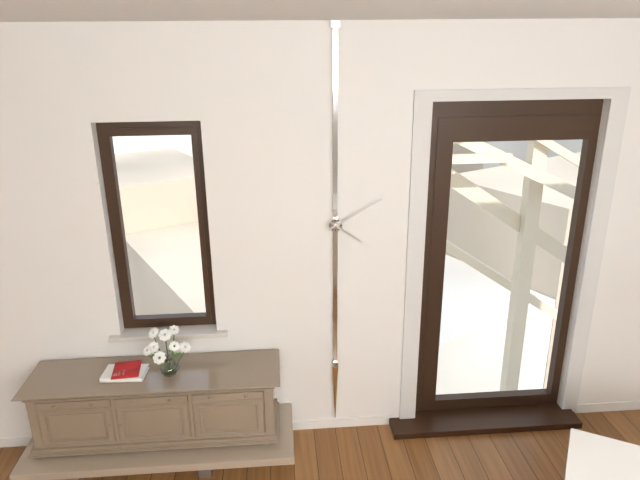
4h10
